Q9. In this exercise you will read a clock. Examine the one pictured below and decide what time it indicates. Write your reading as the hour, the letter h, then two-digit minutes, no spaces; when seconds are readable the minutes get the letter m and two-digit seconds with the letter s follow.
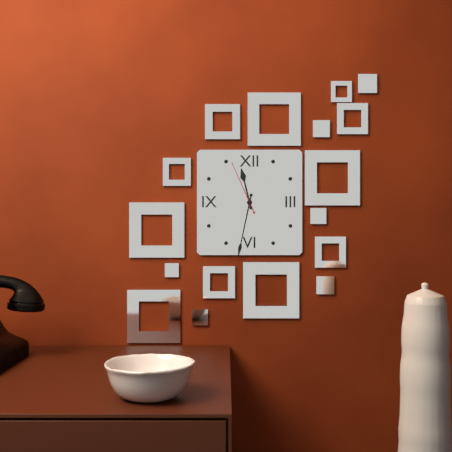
11h32m56s
